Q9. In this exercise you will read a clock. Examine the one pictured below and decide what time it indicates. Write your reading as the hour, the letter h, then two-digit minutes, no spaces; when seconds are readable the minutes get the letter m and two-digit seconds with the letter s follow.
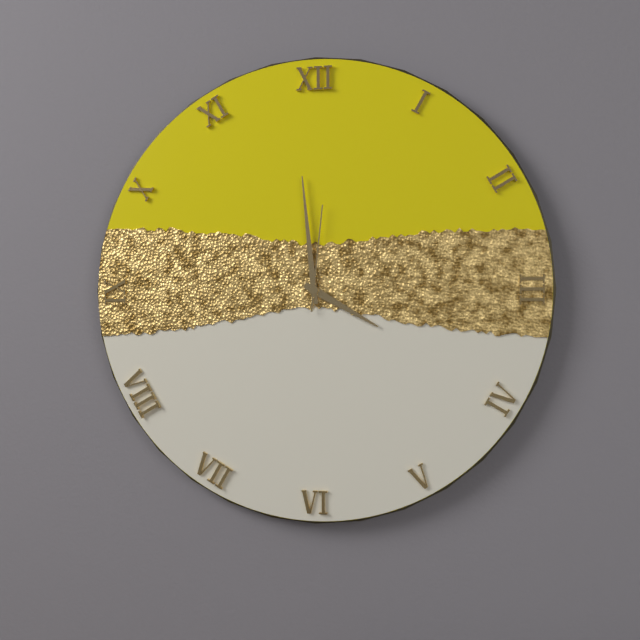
3h59m01s
